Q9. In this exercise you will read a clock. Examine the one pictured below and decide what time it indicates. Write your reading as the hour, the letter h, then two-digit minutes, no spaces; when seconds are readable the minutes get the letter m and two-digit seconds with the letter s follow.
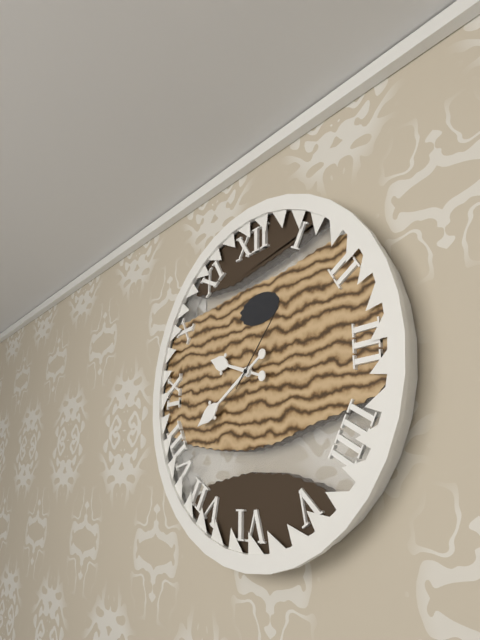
9h40m07s
